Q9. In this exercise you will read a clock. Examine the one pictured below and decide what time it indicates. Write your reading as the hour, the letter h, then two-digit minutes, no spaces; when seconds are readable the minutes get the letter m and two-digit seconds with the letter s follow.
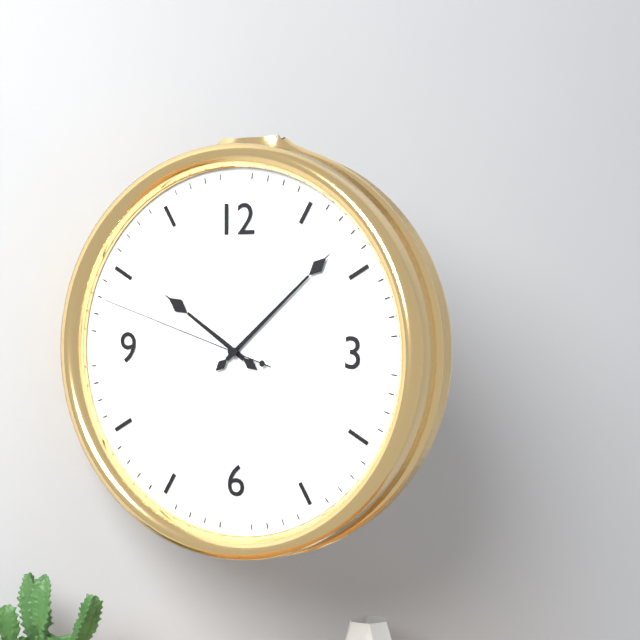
10h08m48s
